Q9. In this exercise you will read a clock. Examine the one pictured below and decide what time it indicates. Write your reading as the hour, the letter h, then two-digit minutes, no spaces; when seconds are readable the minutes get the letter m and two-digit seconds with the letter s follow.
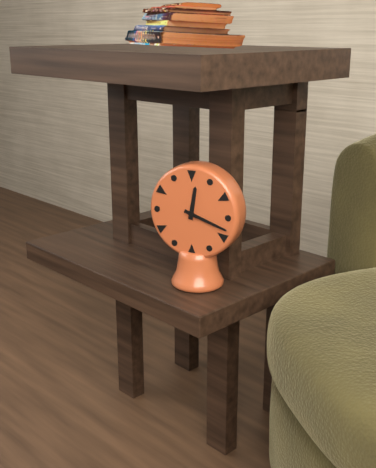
12h18
